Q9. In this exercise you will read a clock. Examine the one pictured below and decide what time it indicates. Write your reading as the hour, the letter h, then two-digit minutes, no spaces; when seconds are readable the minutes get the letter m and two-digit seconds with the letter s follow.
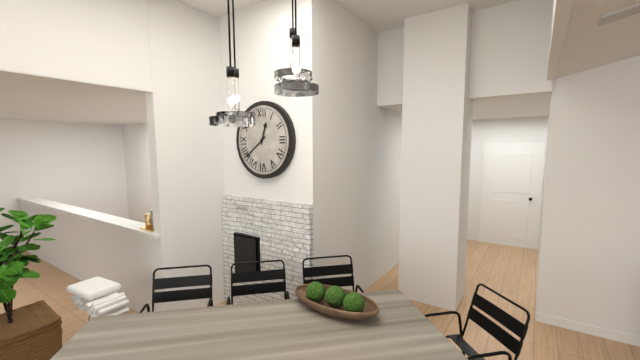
12h39
